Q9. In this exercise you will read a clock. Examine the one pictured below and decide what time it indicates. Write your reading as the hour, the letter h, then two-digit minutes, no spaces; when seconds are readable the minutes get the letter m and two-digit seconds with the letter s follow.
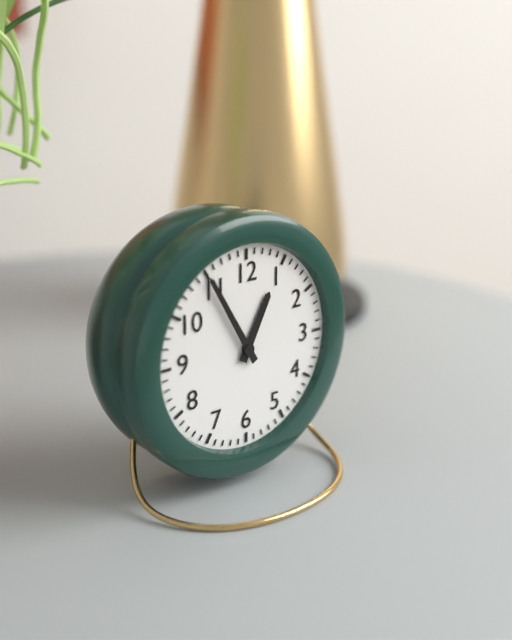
12h55
